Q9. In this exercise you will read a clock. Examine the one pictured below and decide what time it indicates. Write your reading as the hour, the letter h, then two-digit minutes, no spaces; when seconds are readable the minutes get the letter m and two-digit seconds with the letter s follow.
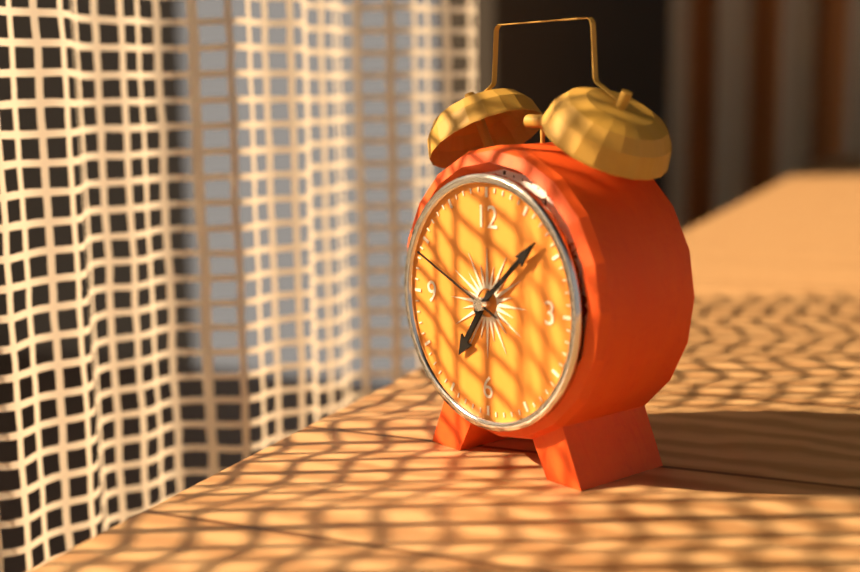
7h08m49s
